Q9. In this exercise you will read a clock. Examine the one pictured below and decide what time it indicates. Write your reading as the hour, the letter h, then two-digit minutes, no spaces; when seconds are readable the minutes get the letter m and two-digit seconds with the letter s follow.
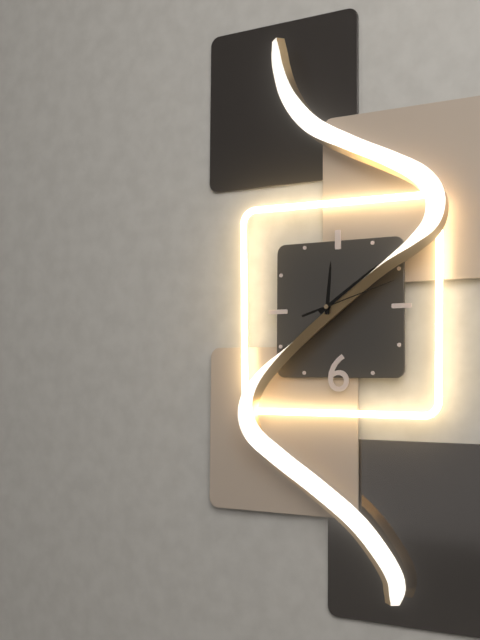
12h09m12s
